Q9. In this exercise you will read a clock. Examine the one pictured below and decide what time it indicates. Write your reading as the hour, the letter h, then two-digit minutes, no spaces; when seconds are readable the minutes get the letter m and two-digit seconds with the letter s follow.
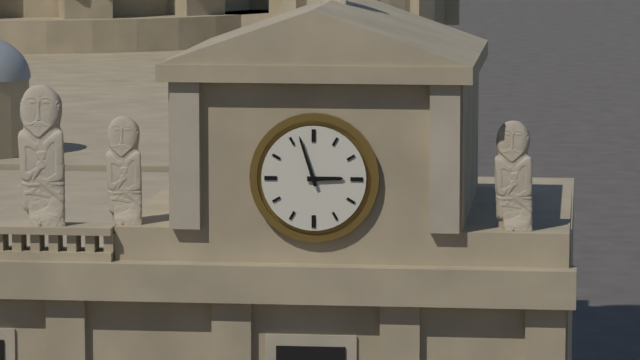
2h57
